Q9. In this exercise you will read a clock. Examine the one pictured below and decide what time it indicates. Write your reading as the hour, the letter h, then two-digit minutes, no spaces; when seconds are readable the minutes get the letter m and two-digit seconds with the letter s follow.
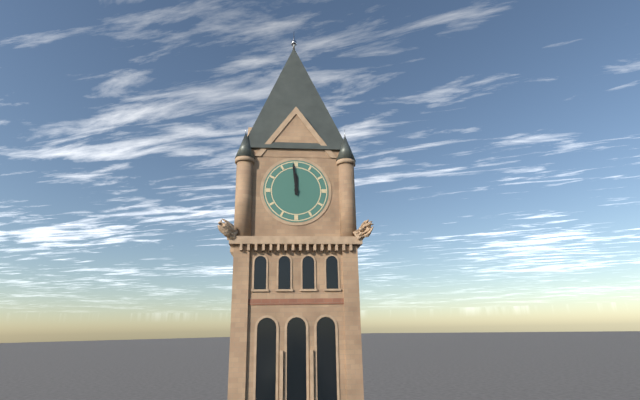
11h59
